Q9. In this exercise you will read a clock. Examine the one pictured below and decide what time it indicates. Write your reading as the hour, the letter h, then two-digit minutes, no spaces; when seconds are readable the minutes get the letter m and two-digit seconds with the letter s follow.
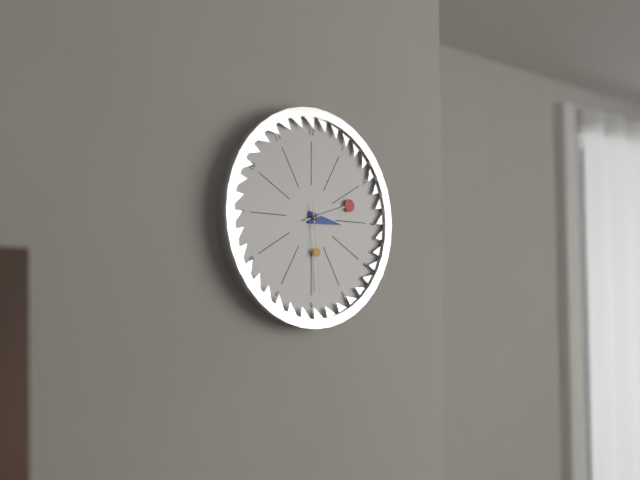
3h12m29s
